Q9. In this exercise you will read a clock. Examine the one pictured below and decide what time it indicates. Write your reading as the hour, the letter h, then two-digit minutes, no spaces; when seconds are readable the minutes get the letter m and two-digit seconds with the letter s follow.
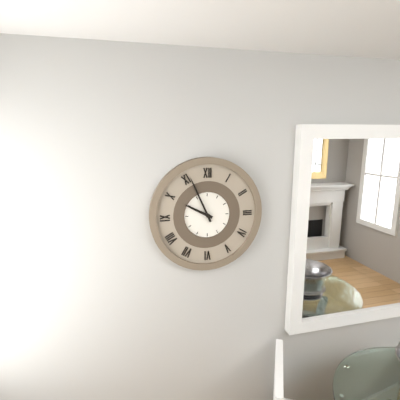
9h56
